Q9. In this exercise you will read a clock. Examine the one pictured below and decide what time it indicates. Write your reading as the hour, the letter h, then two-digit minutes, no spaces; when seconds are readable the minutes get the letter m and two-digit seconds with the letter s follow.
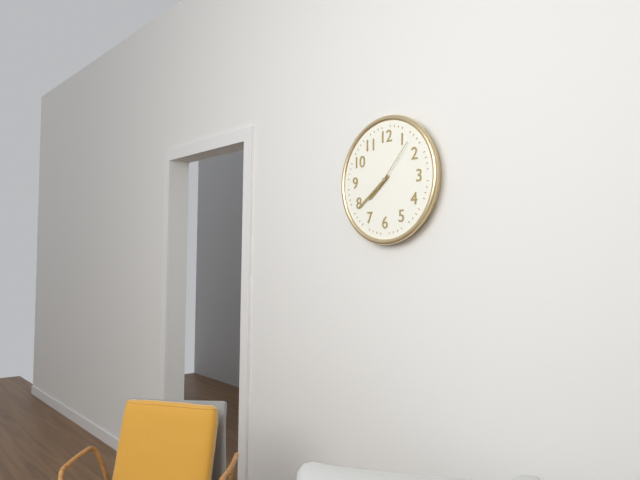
7h39m07s
